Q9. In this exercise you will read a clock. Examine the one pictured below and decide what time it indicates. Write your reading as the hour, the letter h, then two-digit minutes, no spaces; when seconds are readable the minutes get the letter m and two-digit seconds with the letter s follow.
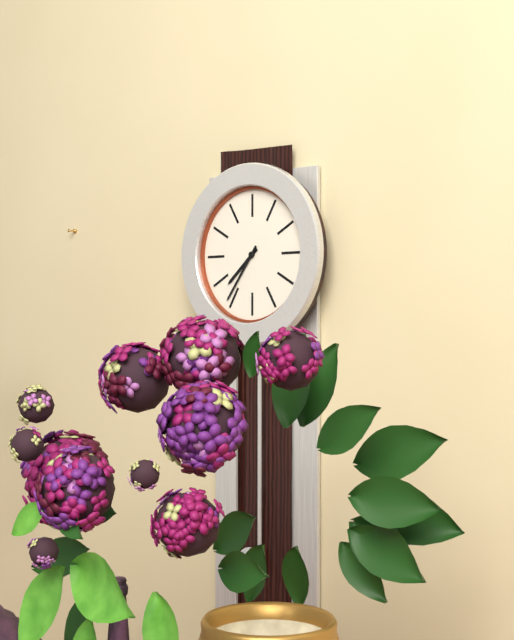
7h36
